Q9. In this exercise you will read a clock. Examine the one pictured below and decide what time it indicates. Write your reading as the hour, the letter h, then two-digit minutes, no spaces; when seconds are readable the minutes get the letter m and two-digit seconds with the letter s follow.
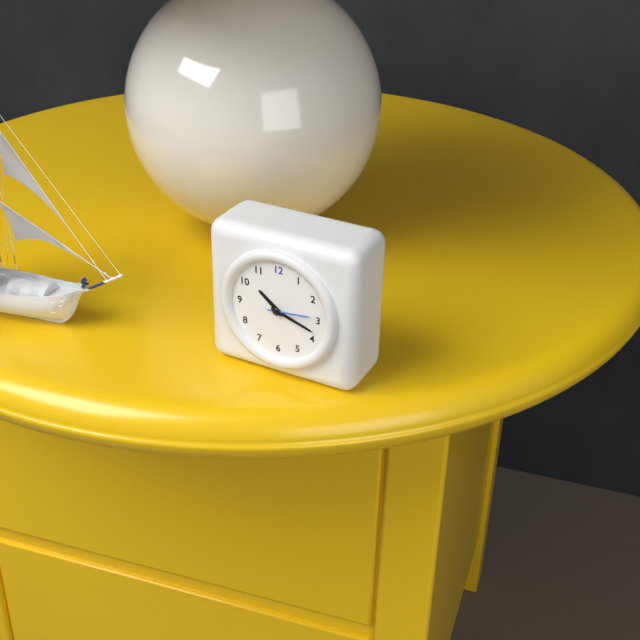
10h18
